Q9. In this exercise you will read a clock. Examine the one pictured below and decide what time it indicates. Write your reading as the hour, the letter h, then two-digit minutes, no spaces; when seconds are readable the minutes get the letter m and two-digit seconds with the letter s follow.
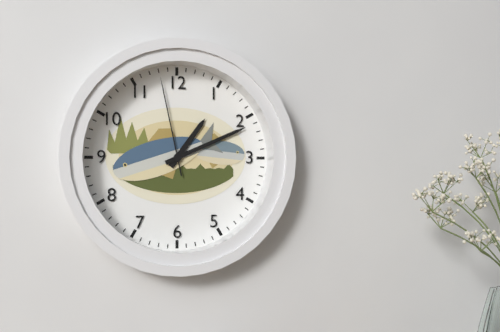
1h11m58s
